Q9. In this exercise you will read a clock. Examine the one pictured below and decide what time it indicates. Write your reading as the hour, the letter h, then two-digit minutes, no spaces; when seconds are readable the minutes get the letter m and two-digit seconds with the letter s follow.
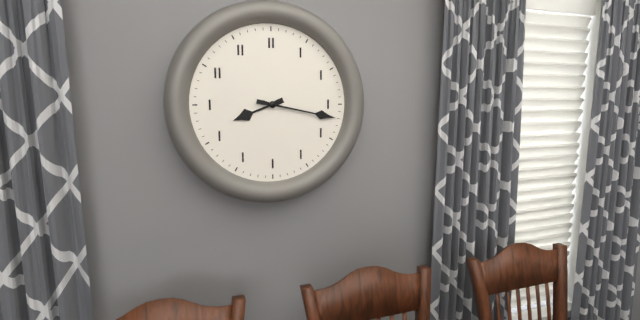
8h17
